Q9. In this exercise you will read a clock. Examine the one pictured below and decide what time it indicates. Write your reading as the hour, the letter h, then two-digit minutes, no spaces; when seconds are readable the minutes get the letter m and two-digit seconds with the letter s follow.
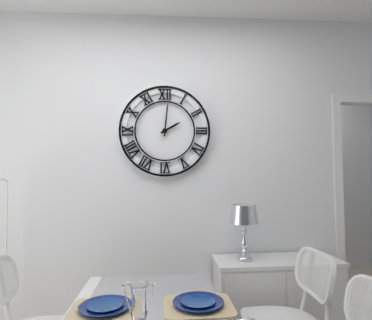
2h01
